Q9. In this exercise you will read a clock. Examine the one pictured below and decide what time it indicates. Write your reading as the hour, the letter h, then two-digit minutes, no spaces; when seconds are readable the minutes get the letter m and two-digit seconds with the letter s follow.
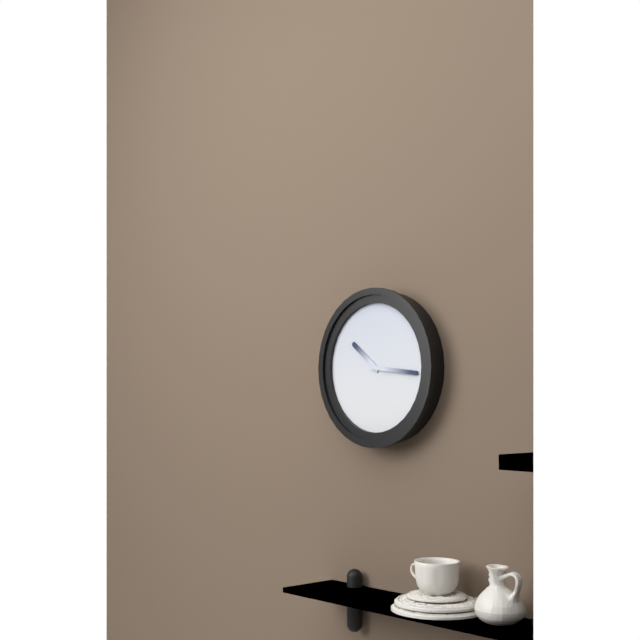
10h16
